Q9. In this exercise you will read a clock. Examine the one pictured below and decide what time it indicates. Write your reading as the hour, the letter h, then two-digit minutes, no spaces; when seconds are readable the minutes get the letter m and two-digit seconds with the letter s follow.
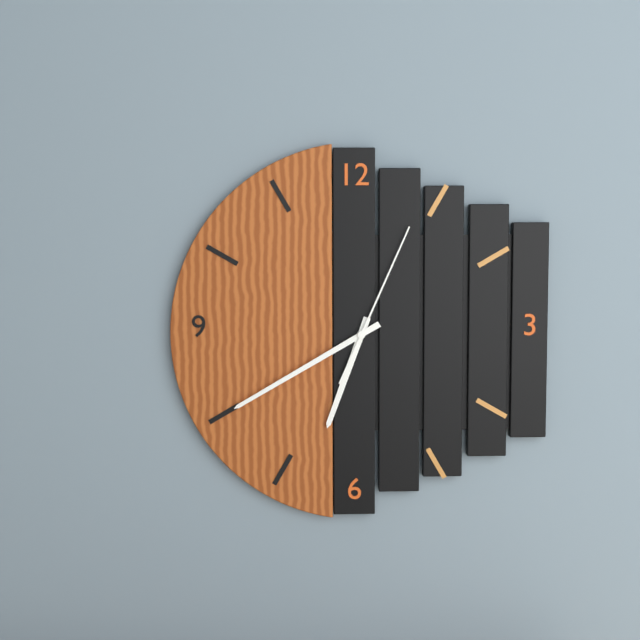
6h40m04s
